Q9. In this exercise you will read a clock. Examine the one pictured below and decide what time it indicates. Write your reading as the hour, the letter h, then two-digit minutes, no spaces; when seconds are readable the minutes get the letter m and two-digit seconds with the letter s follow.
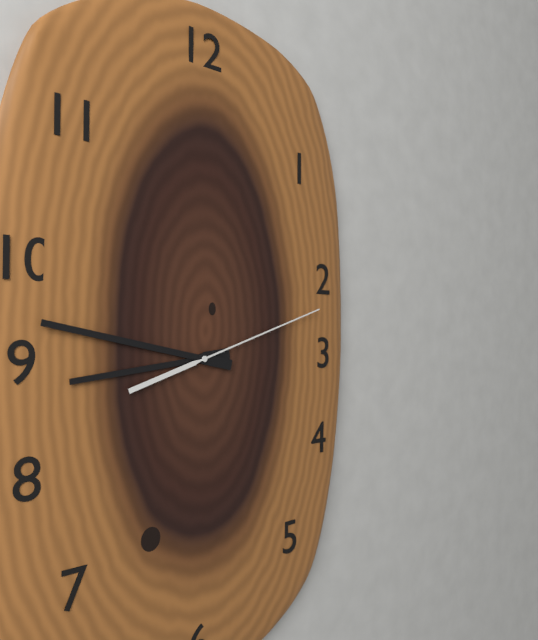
8h47m12s
